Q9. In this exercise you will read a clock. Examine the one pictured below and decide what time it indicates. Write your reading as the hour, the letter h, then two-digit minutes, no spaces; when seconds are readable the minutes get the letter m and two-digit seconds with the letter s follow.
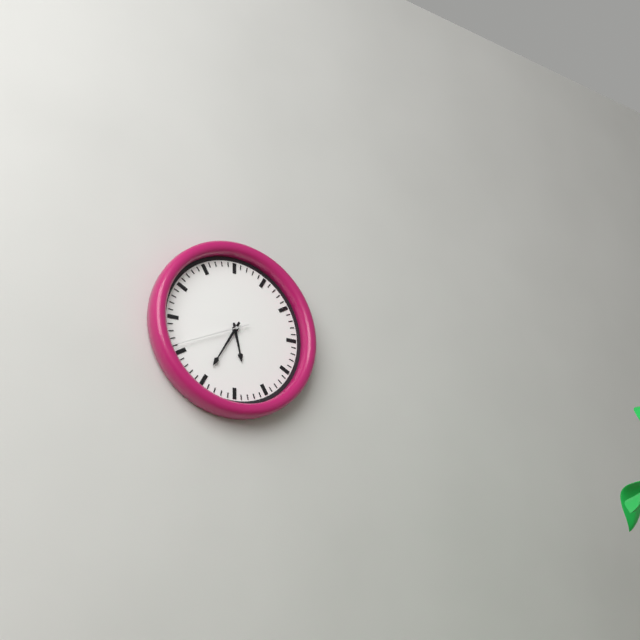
5h35m41s
